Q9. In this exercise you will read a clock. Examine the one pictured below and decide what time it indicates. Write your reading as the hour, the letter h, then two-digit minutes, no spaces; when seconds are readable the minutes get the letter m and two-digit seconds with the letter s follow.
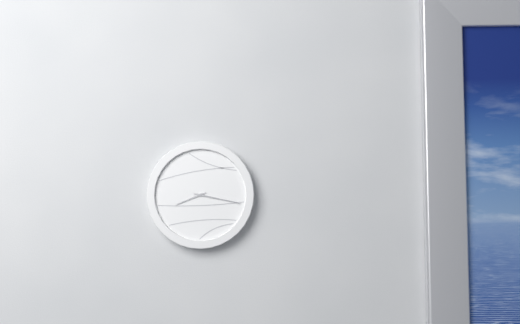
8h17
